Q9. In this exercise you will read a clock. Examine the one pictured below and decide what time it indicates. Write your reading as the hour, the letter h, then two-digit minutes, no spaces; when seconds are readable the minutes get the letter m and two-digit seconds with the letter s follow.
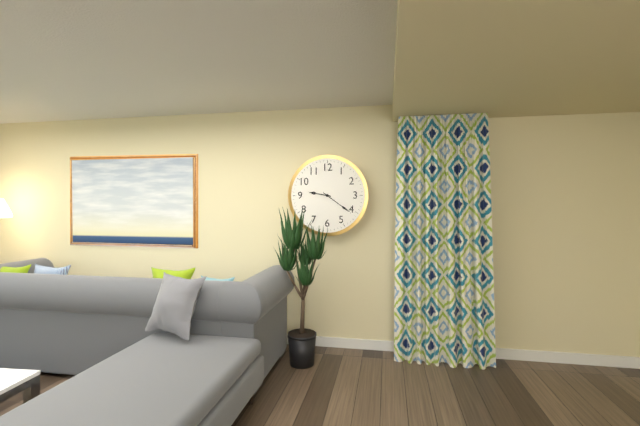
9h21
